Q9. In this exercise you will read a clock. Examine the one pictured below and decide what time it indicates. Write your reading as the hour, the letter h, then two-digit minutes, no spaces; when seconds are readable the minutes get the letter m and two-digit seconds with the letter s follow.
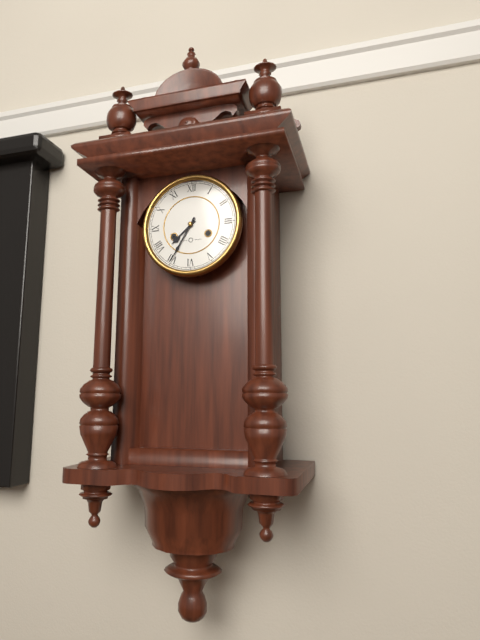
7h35
